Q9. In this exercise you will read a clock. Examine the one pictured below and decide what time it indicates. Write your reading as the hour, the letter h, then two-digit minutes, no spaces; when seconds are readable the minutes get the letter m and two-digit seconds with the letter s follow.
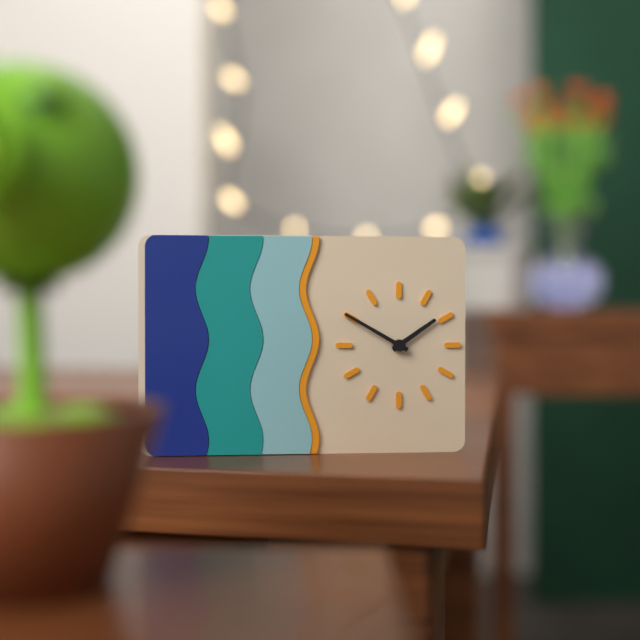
1h50
